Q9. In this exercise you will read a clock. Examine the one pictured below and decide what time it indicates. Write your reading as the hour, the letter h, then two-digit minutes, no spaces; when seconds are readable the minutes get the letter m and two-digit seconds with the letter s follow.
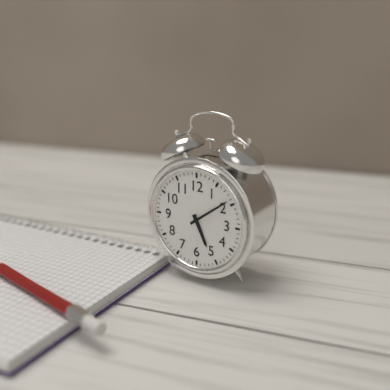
5h09
